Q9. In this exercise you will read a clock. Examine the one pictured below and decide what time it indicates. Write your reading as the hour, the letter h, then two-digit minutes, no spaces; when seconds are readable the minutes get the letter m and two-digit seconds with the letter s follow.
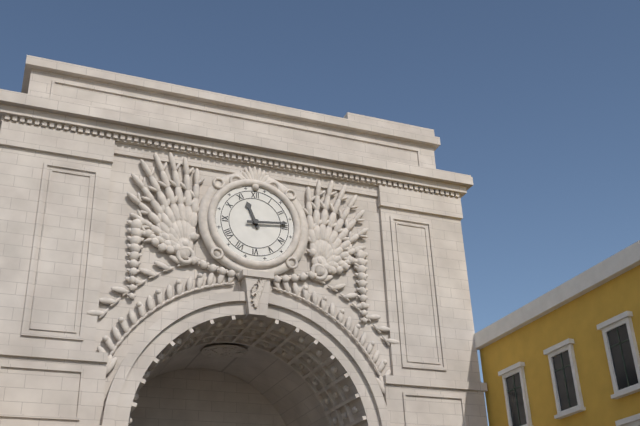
11h14
